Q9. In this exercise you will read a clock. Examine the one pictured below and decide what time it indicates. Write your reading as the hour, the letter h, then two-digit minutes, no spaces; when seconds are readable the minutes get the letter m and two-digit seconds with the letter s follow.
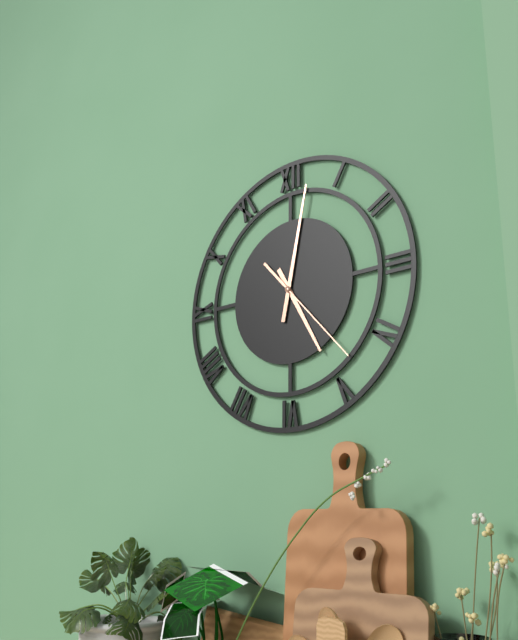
5h02m23s
